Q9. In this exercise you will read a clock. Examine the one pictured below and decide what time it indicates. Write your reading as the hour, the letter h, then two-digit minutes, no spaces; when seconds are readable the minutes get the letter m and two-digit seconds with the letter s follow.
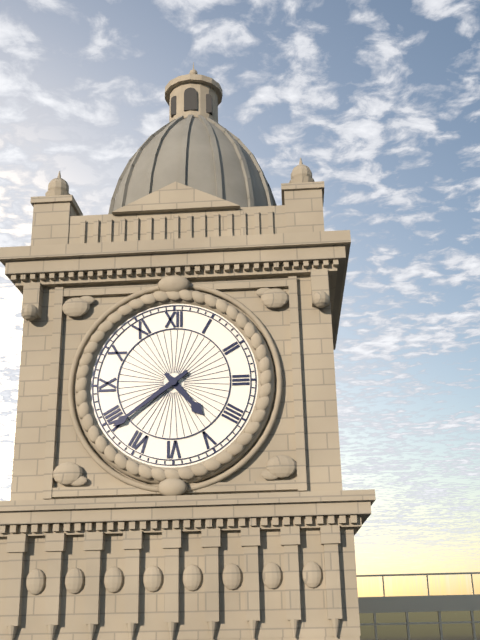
4h39
